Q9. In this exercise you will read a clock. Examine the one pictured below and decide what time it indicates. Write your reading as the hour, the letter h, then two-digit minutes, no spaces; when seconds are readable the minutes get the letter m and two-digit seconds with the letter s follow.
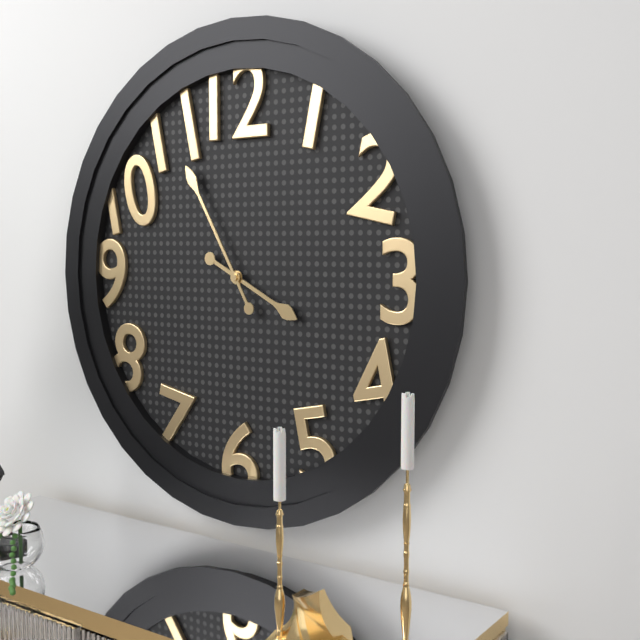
3h55
